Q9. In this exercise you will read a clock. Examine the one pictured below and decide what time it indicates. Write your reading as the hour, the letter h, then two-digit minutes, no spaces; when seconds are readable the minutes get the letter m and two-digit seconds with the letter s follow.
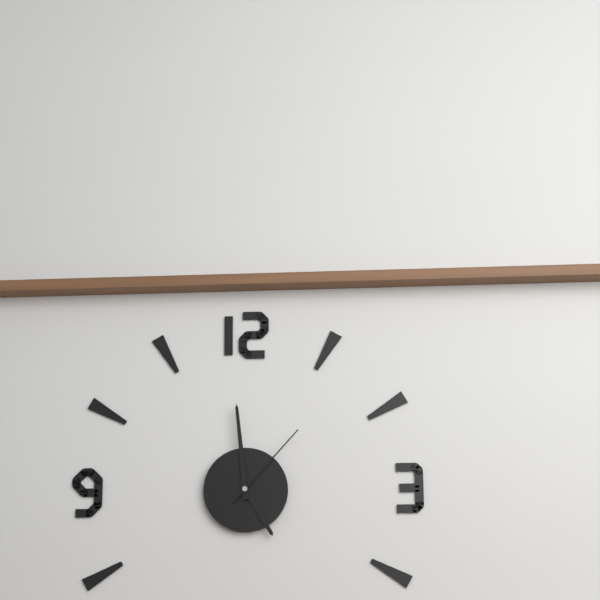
4h59m07s
